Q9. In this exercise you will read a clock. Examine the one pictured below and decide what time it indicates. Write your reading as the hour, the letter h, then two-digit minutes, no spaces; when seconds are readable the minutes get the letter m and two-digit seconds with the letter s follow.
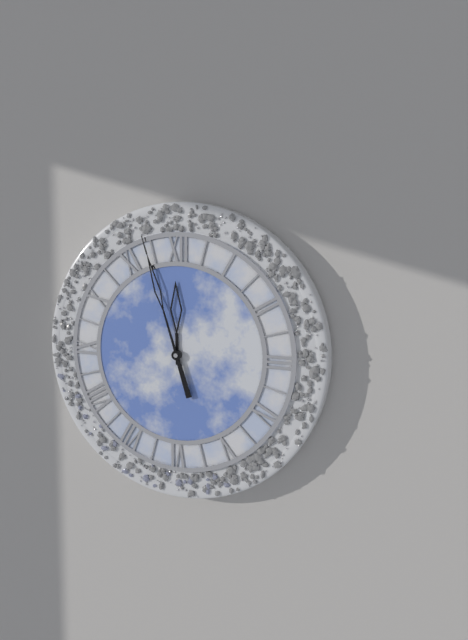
11h57
